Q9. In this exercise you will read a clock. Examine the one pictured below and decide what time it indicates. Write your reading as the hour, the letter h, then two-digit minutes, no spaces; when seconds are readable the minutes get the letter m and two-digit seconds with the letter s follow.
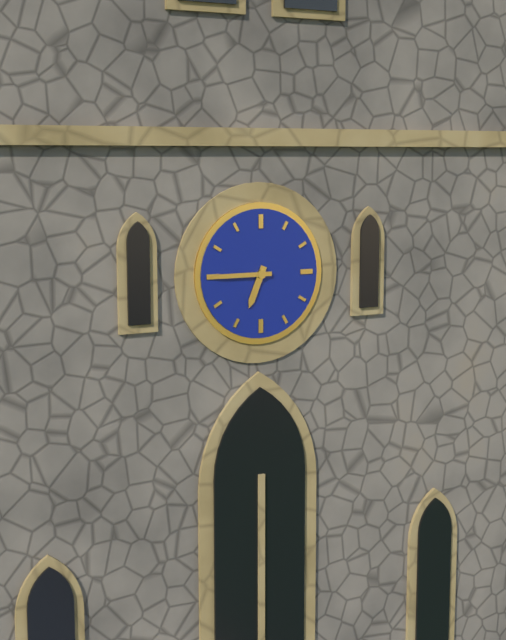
6h45
